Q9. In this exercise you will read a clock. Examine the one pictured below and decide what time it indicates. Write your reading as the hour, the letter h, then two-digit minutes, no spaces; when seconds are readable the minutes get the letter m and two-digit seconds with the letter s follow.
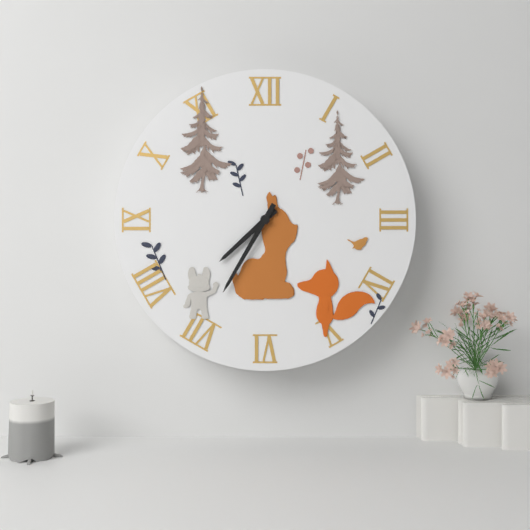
7h35
